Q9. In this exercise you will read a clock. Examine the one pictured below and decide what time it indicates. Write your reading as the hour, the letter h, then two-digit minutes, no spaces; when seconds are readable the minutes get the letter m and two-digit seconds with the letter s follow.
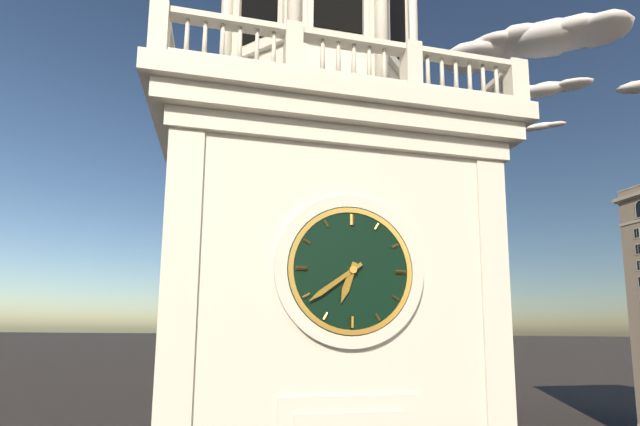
6h39
